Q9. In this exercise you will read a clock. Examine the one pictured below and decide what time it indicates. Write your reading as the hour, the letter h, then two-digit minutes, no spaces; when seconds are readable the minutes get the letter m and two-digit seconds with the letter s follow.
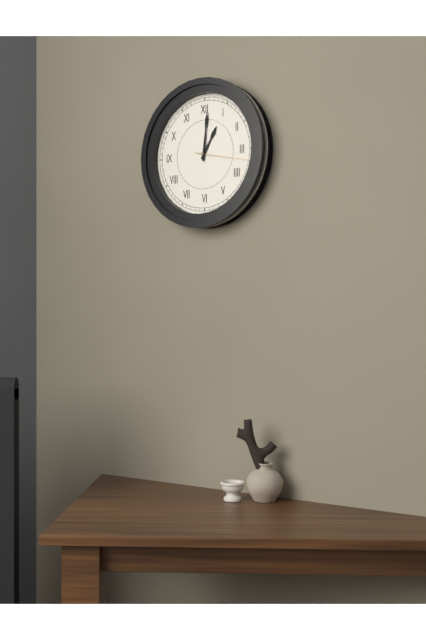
1h01m17s
